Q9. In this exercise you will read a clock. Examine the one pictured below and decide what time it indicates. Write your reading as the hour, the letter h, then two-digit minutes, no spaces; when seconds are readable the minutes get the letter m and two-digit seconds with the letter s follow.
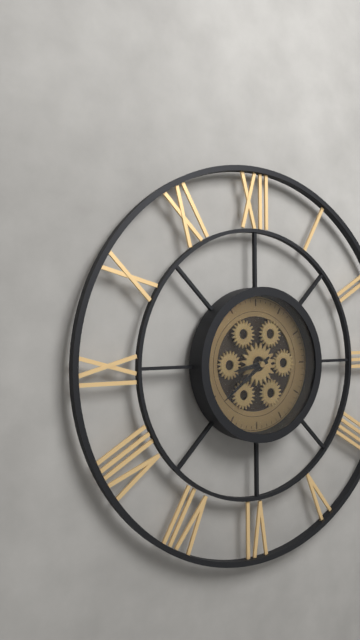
8h39
